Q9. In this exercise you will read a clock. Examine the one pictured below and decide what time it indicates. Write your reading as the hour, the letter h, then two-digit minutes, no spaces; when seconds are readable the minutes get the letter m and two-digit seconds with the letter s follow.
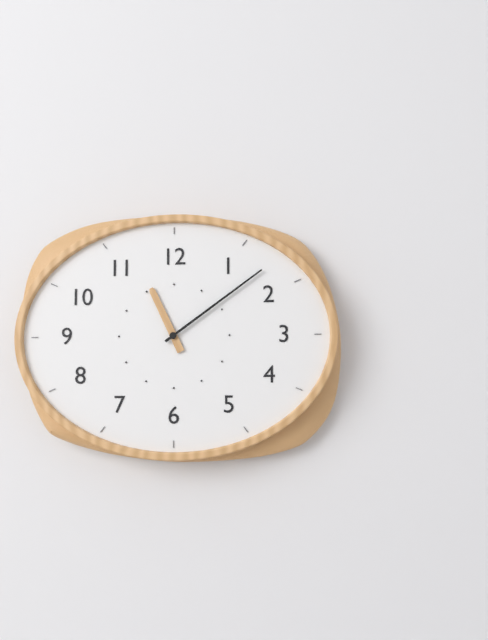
11h09
